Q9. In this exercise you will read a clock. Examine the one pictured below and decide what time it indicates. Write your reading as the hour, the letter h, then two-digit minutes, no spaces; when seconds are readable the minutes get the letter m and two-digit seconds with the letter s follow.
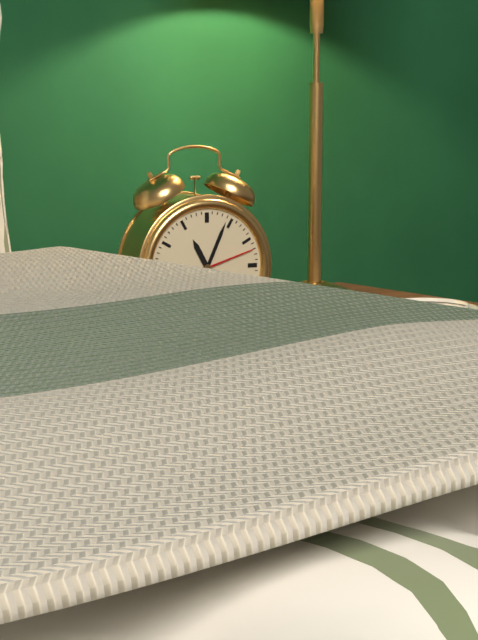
11h04m12s
